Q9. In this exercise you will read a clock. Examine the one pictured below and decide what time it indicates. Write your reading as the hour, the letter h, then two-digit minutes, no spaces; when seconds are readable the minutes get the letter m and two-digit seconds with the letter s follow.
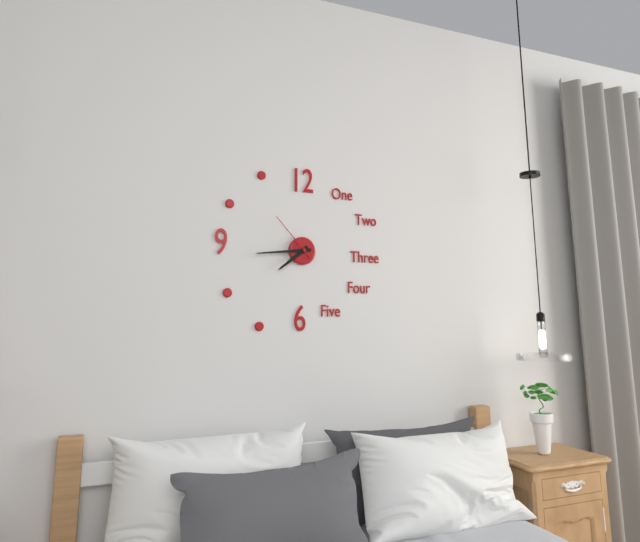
7h44m53s
